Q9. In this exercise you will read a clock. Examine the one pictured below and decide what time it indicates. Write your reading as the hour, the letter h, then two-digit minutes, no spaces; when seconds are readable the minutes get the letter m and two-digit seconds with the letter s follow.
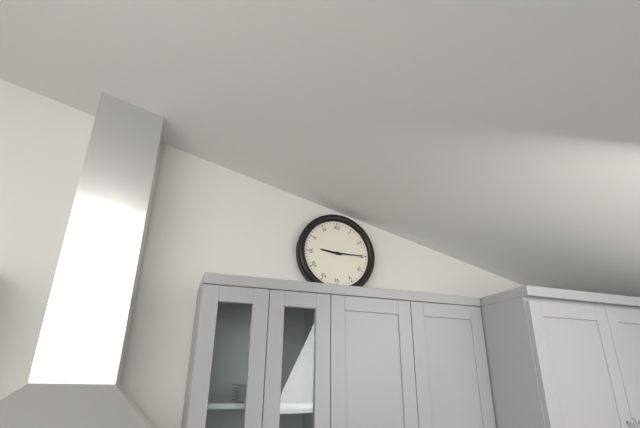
9h15
